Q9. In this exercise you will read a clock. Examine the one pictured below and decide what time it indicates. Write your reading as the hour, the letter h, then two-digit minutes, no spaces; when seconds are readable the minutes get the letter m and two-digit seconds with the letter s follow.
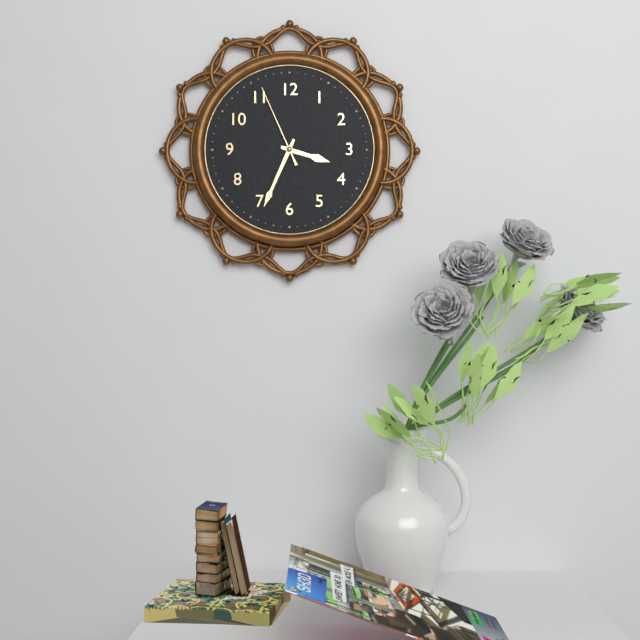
3h34m56s
